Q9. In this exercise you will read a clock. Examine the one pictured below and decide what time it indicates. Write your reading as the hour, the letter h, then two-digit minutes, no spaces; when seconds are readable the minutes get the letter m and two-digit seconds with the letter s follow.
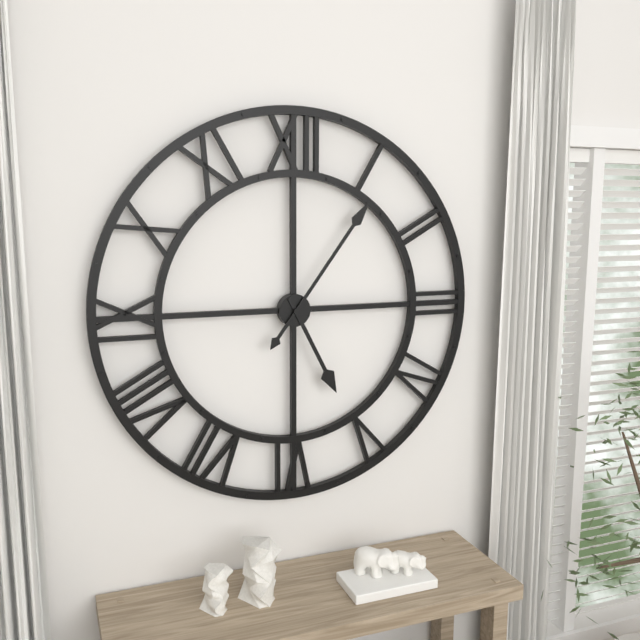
5h06
